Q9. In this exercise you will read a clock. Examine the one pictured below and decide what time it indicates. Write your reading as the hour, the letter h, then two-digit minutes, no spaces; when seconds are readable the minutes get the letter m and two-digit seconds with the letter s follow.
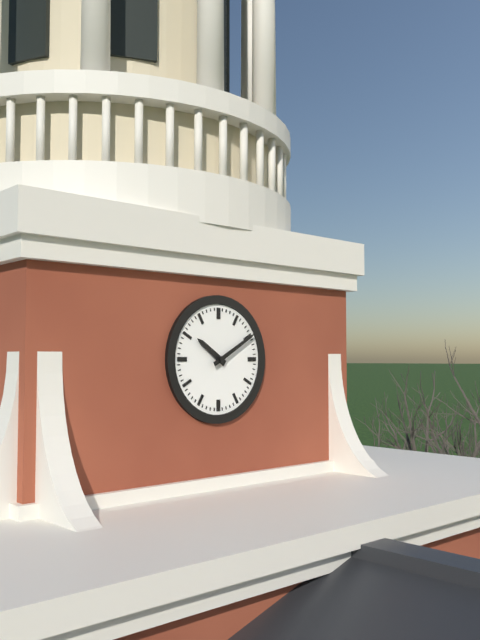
10h10
